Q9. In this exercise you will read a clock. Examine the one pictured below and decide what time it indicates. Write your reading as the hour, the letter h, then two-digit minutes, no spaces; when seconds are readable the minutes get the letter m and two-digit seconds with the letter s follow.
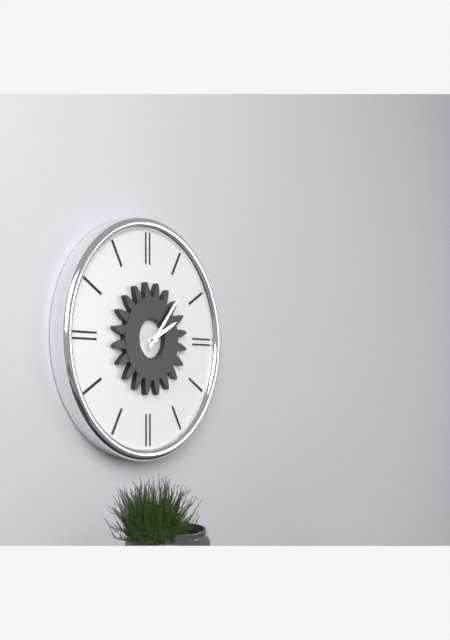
2h07
